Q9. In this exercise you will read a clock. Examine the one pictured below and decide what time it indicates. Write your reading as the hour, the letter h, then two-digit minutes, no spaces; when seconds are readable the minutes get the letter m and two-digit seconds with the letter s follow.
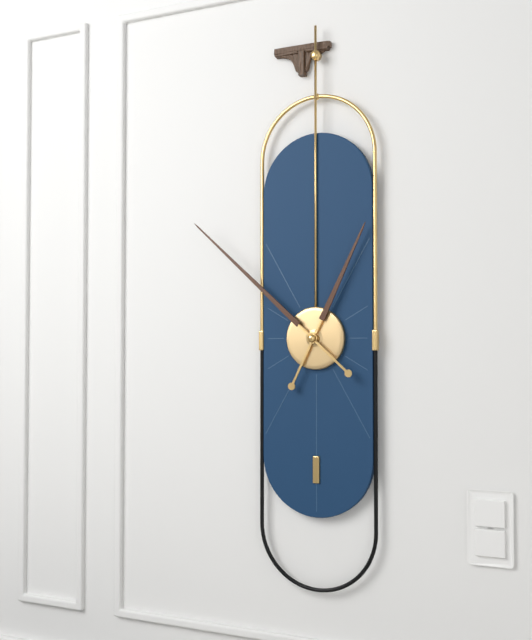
12h52
